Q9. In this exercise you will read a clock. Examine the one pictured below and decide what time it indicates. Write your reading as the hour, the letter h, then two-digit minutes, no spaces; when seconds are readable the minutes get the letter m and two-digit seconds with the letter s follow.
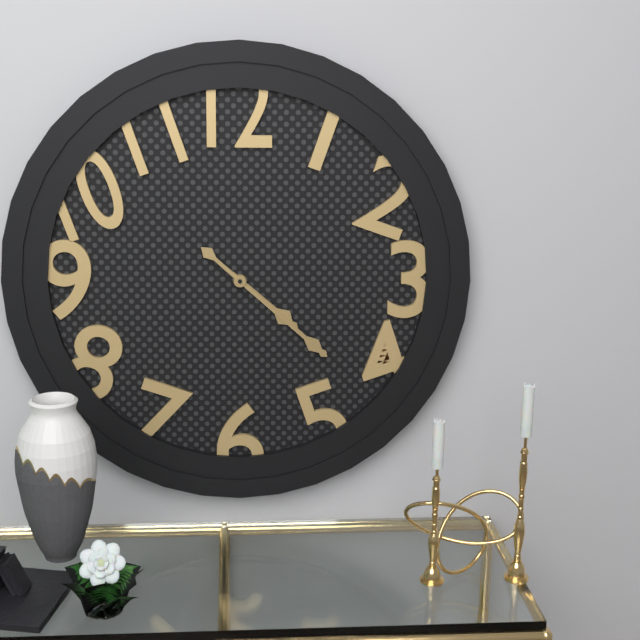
4h22
